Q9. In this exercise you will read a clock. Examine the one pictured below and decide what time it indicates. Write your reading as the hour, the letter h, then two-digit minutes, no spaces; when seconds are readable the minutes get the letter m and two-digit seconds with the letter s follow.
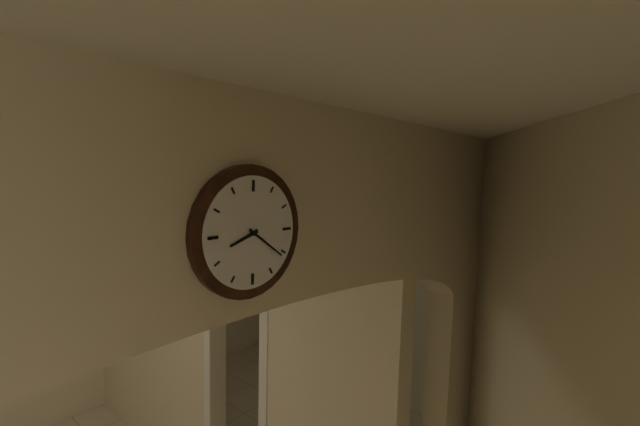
8h21
